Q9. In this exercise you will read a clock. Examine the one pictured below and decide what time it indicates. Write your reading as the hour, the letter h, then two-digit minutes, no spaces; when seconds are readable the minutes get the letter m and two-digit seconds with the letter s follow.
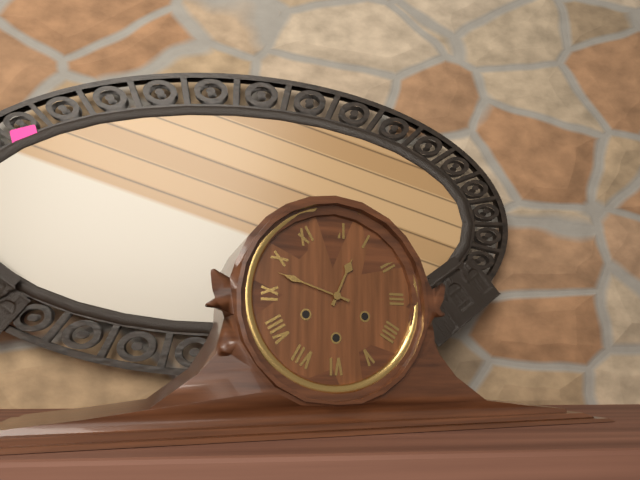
12h48
